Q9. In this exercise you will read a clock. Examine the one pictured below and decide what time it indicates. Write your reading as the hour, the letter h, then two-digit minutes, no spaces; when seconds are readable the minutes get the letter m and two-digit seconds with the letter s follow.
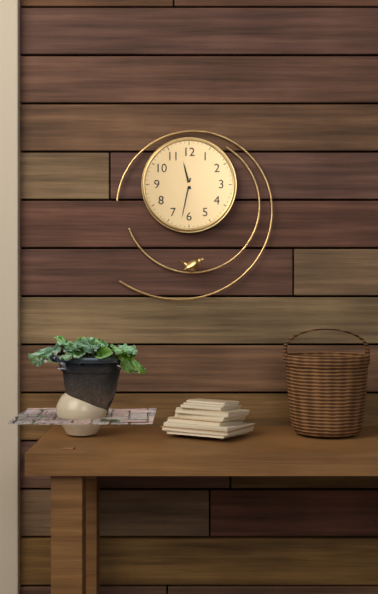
11h32
